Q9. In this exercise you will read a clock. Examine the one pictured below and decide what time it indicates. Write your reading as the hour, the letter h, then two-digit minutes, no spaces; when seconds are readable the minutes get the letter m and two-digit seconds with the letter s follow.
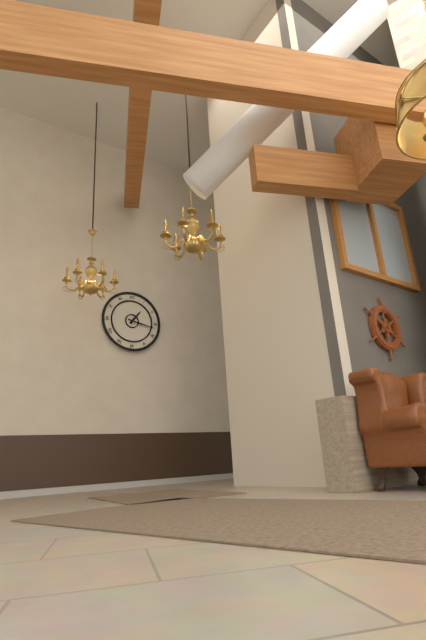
1h17
